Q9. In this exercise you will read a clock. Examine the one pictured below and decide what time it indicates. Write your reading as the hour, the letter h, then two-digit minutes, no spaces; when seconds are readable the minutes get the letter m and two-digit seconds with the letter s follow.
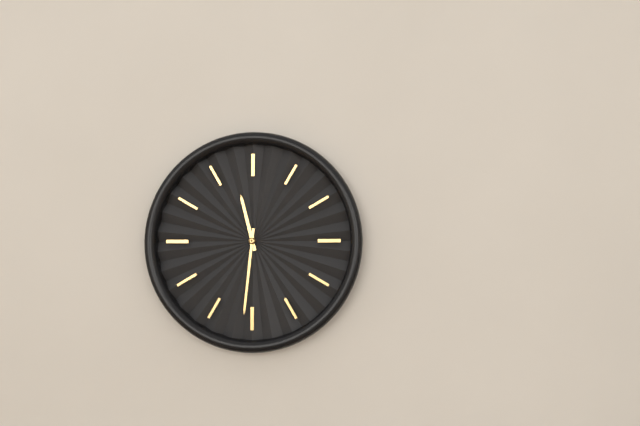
11h31
